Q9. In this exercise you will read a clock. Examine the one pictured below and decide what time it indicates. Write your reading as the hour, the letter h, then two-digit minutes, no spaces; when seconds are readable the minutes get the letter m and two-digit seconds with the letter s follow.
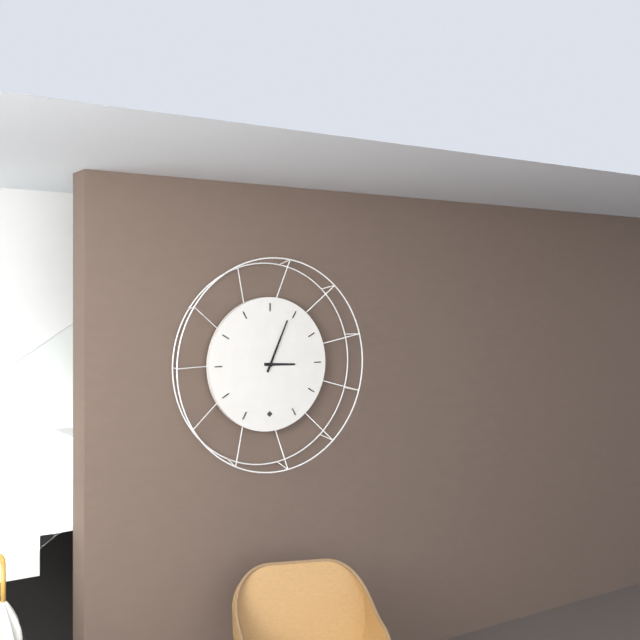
3h04
